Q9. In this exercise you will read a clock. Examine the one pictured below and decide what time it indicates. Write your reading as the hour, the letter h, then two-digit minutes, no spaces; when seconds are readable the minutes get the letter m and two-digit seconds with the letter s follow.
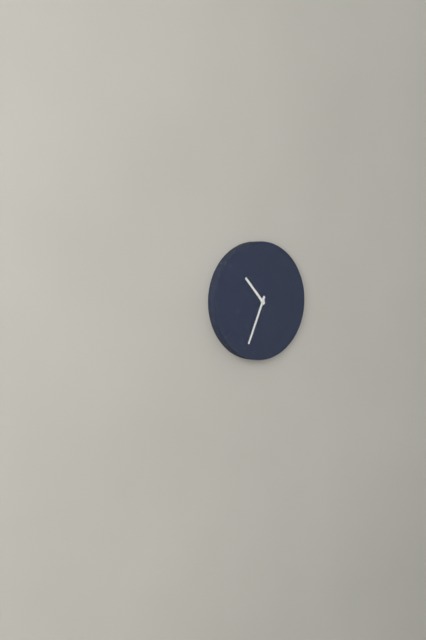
10h34
